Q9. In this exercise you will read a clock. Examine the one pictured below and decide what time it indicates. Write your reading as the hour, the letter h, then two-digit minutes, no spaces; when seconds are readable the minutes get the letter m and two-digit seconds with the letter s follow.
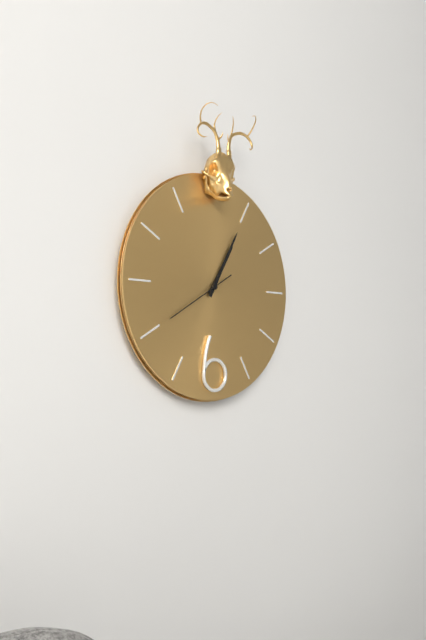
1h05m40s
